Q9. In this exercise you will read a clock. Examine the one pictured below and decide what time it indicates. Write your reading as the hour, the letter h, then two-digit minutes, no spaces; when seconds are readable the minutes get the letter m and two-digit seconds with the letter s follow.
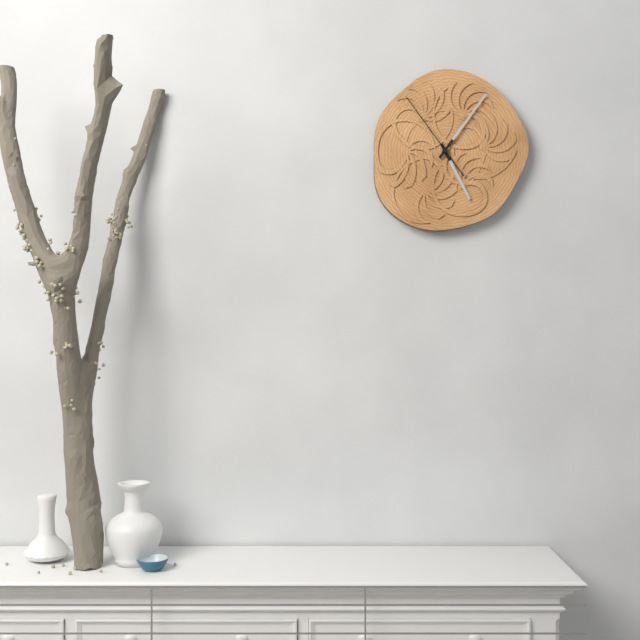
5h06m54s
